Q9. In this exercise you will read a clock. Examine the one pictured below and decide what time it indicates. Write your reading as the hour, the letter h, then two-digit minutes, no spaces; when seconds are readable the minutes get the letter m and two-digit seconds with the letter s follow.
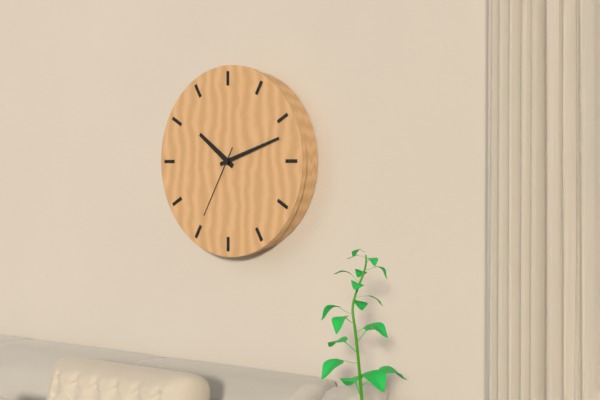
10h12m35s
